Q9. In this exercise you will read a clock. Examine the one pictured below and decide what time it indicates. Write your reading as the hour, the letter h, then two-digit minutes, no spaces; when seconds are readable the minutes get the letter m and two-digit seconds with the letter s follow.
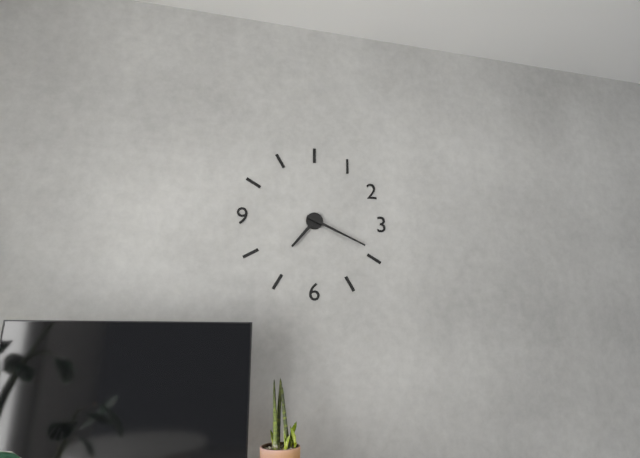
7h19
